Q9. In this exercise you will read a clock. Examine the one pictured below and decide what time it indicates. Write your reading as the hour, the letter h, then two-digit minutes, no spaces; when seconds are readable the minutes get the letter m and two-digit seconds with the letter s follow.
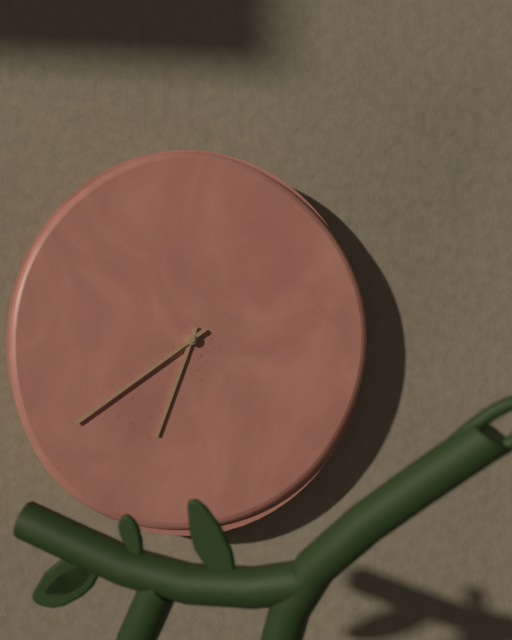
6h39
